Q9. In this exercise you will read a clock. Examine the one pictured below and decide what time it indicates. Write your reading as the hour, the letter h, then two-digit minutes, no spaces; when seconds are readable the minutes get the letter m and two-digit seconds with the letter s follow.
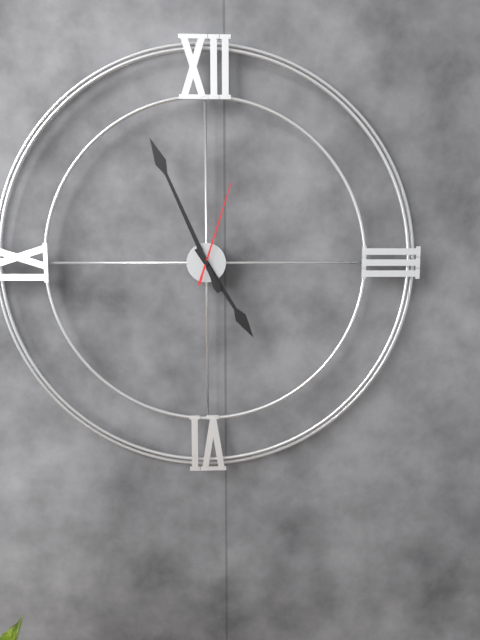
4h56m03s
